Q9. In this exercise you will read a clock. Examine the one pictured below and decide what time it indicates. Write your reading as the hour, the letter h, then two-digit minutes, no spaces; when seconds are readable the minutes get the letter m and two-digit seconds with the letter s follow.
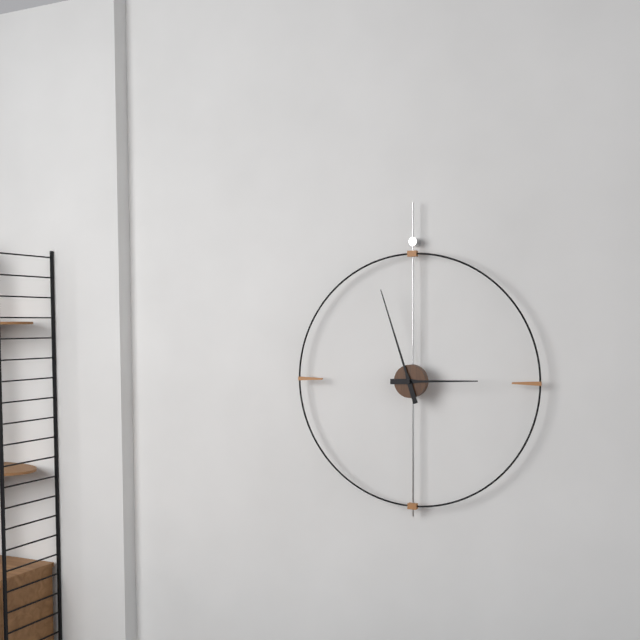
2h57
